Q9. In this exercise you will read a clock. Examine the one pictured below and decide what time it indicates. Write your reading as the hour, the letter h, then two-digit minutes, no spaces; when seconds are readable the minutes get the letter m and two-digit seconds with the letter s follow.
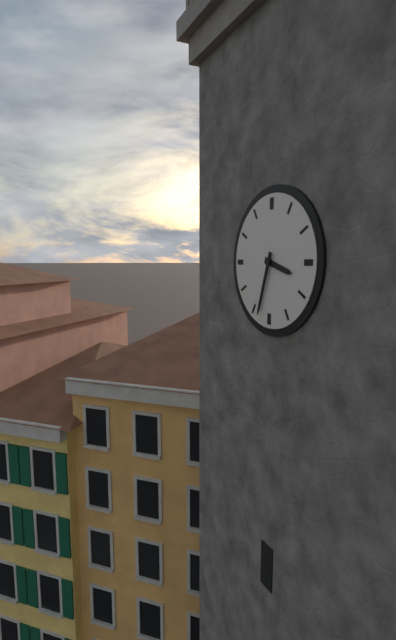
3h33
